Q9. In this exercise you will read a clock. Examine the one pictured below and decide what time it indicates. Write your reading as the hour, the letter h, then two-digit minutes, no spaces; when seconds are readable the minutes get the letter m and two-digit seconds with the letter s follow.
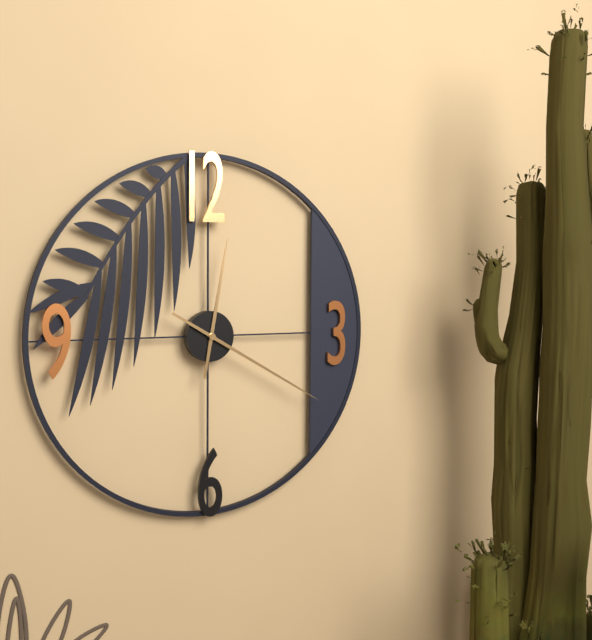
12h20
